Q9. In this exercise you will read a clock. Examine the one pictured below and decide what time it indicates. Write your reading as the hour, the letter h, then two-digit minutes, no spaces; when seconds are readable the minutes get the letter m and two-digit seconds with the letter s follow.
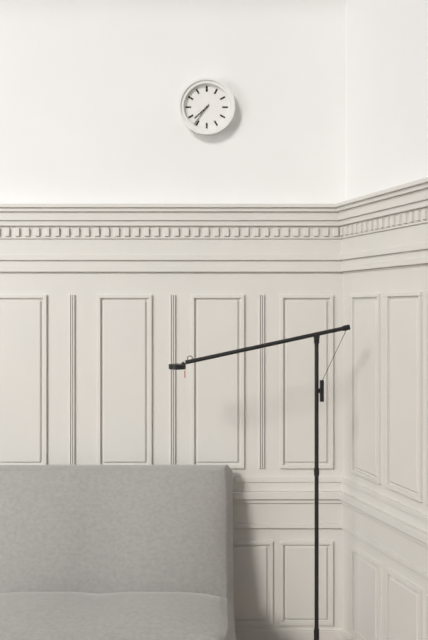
7h36
